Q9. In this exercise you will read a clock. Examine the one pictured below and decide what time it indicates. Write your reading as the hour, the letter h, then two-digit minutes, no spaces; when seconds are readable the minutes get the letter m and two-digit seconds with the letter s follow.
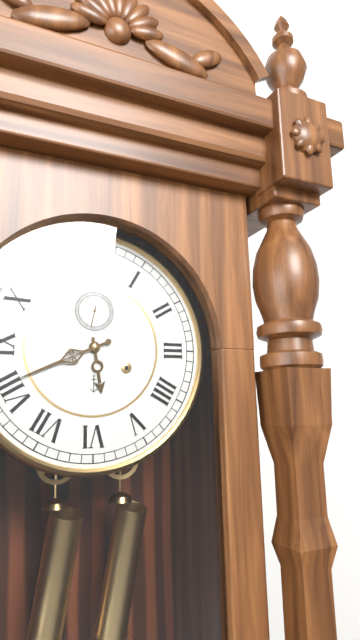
5h41
